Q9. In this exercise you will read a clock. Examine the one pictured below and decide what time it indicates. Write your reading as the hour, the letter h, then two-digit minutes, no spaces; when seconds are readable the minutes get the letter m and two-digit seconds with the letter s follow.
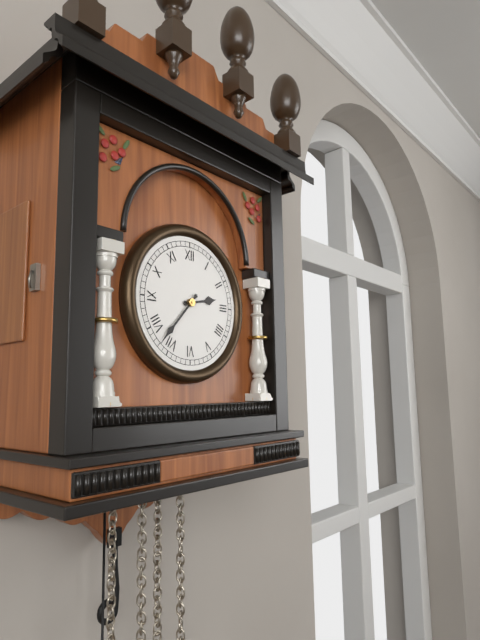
2h37
